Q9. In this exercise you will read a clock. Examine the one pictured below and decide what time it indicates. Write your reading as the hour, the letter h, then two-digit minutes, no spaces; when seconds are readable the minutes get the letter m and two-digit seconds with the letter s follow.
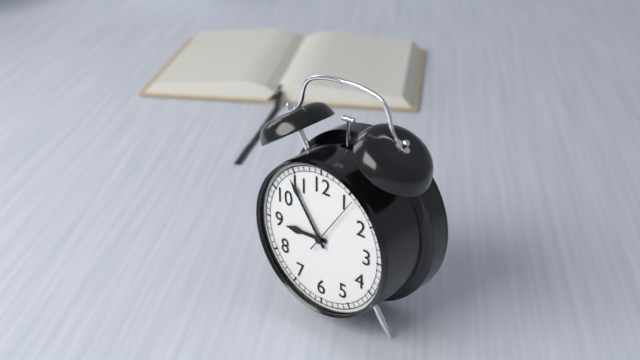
8h54m06s
